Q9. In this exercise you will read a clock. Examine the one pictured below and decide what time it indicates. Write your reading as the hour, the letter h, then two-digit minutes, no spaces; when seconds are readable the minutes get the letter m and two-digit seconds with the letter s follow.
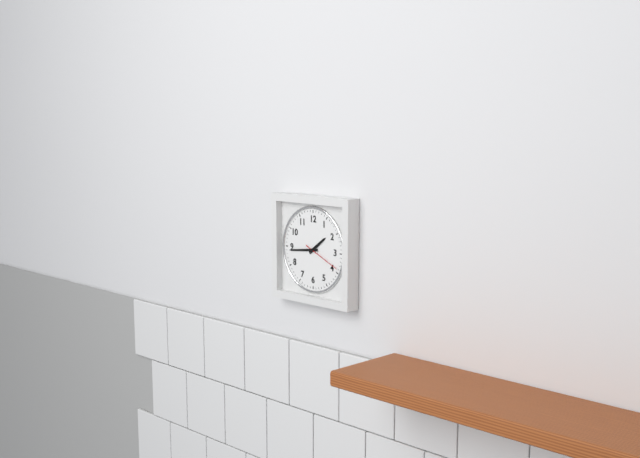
1h44
